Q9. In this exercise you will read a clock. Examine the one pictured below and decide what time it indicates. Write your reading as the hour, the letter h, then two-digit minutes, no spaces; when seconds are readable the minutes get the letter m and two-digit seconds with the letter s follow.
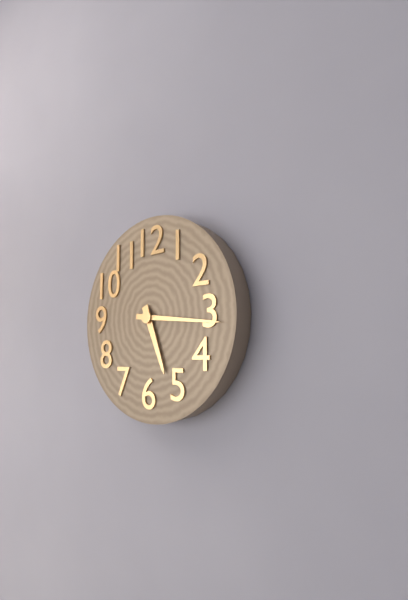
5h16
